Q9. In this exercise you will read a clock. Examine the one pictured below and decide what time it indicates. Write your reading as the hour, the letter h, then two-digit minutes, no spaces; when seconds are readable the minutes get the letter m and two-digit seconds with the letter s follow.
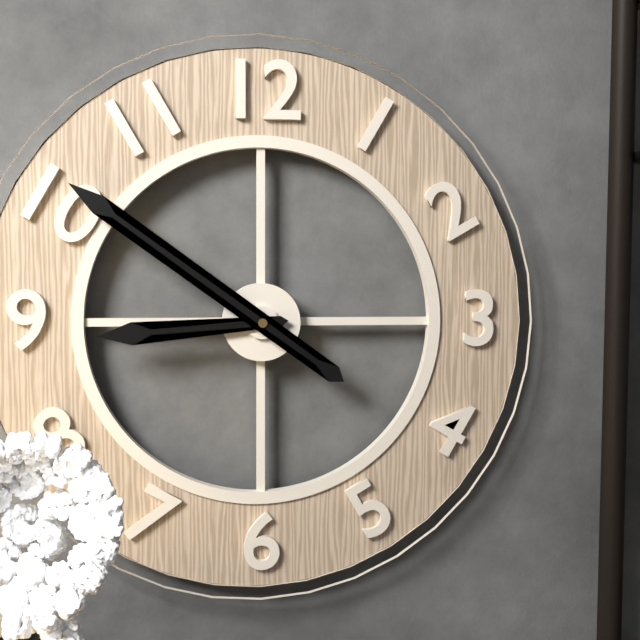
8h51
